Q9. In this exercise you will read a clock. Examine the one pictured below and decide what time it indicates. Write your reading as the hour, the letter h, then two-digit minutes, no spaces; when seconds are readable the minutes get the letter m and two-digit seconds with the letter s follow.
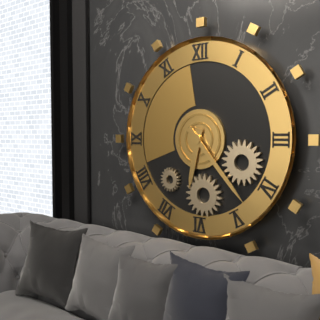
6h23
